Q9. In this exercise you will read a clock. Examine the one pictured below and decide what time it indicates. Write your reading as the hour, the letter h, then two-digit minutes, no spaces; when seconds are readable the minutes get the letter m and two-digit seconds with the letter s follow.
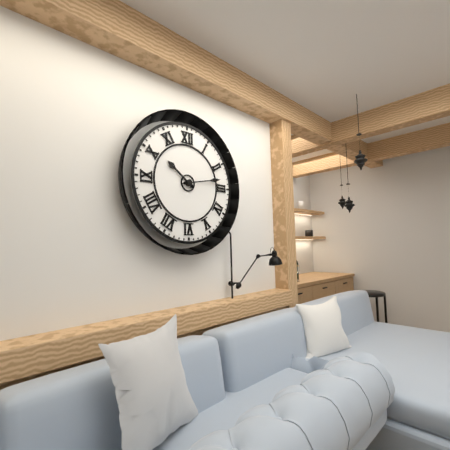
10h13
